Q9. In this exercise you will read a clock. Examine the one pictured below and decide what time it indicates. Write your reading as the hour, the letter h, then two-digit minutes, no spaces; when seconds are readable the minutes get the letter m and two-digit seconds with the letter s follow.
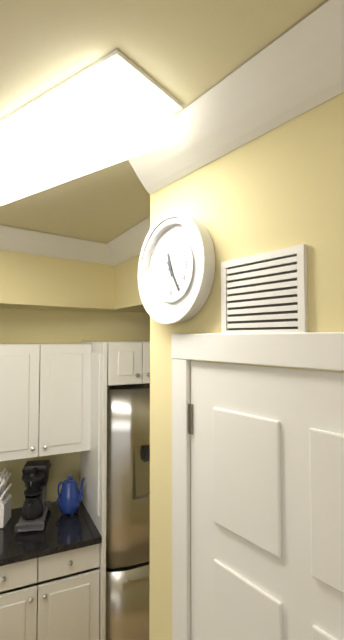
11h25
